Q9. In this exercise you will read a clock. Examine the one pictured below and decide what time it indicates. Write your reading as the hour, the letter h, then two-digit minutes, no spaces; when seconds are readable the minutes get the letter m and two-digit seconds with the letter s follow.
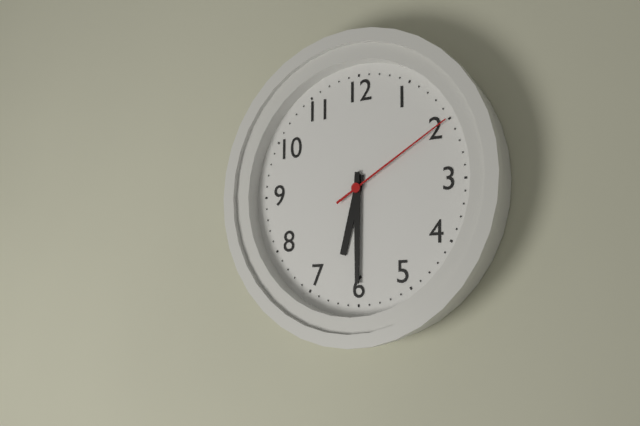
6h30m10s
